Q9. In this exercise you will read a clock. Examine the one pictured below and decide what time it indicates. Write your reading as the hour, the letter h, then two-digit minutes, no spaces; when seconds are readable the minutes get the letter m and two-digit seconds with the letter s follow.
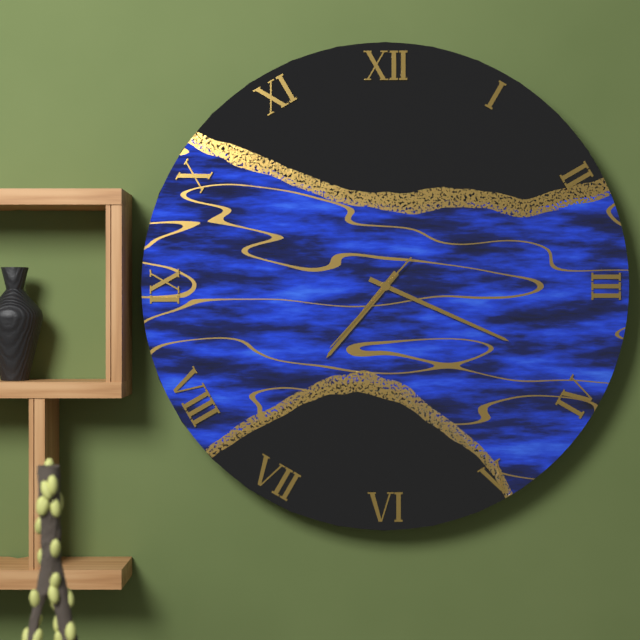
7h19m37s
